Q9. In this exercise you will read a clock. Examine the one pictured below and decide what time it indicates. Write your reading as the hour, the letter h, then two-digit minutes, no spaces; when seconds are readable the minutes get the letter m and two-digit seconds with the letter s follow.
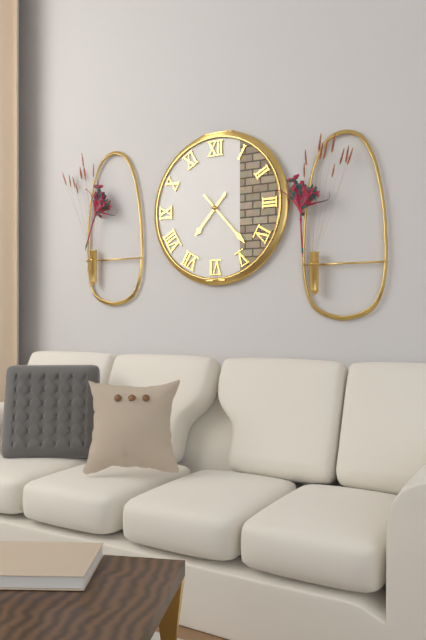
7h23
